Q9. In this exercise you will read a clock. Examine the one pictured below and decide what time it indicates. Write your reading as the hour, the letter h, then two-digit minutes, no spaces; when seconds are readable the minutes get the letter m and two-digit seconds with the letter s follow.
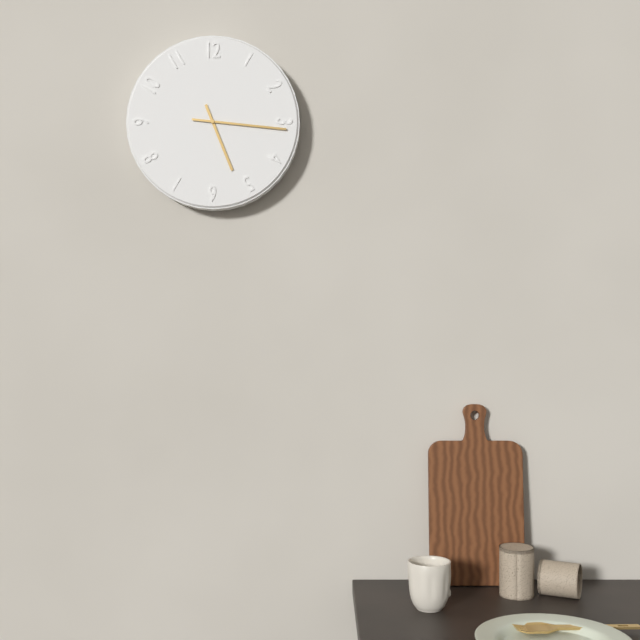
5h16
